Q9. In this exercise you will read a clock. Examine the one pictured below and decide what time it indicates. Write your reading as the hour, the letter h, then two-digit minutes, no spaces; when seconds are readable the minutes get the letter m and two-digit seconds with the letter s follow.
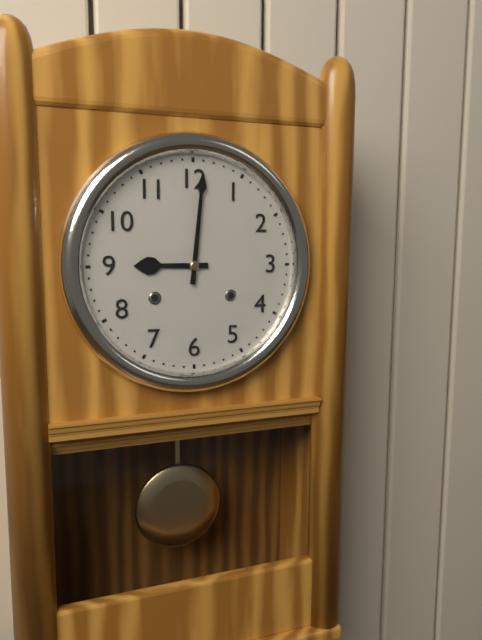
9h01
